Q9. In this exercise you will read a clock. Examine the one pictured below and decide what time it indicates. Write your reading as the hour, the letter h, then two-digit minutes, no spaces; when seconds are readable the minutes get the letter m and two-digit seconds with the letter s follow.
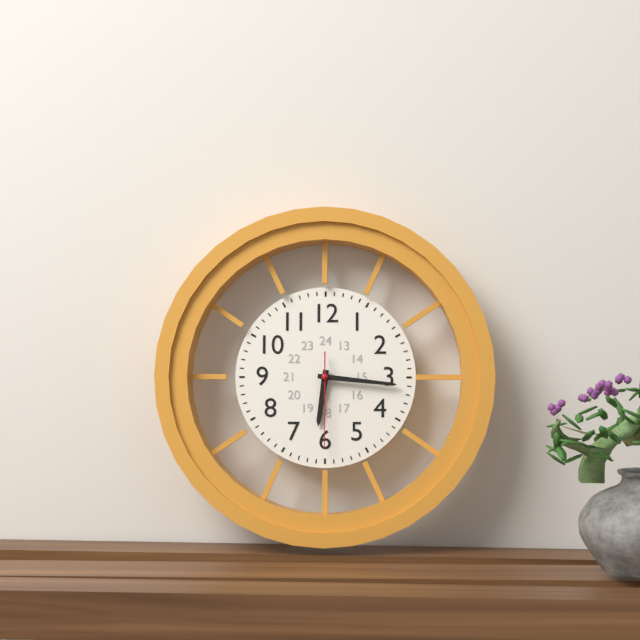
6h16m30s
